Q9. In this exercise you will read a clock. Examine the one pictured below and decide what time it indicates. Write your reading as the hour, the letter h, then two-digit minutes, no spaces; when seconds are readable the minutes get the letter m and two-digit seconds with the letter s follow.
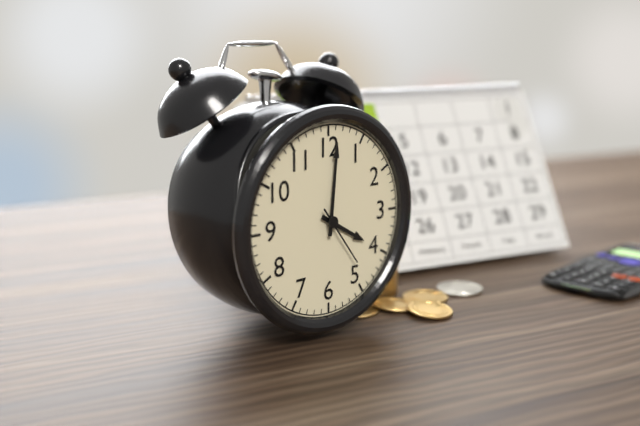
4h01m24s
